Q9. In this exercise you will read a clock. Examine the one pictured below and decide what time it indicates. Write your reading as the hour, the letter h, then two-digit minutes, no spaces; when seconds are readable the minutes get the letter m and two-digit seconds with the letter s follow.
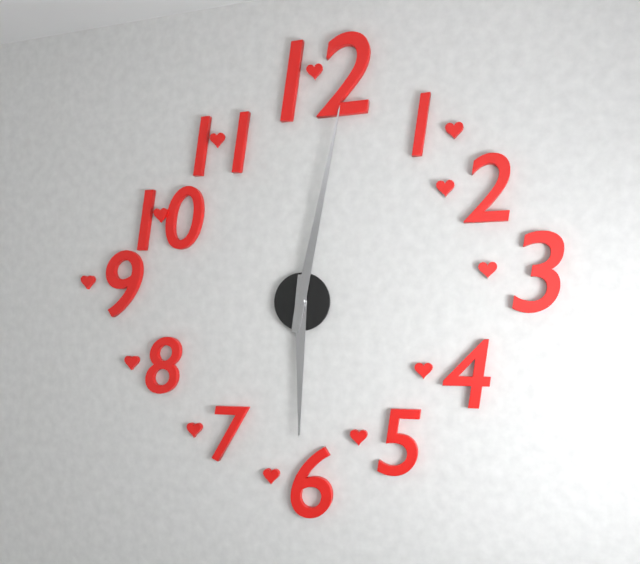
6h02
